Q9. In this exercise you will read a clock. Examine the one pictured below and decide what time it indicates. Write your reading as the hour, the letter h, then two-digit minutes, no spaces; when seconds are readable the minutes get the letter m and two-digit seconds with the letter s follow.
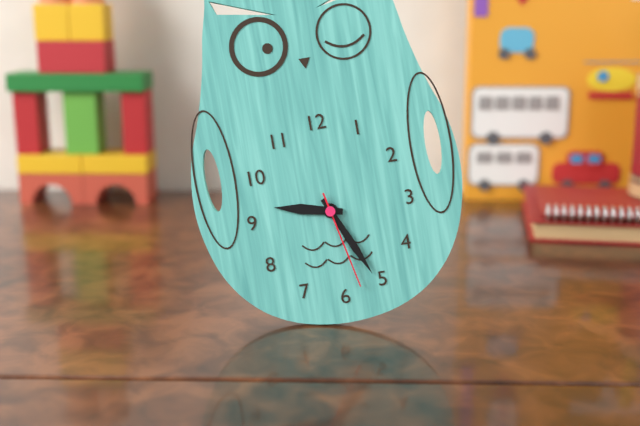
9h26m28s
